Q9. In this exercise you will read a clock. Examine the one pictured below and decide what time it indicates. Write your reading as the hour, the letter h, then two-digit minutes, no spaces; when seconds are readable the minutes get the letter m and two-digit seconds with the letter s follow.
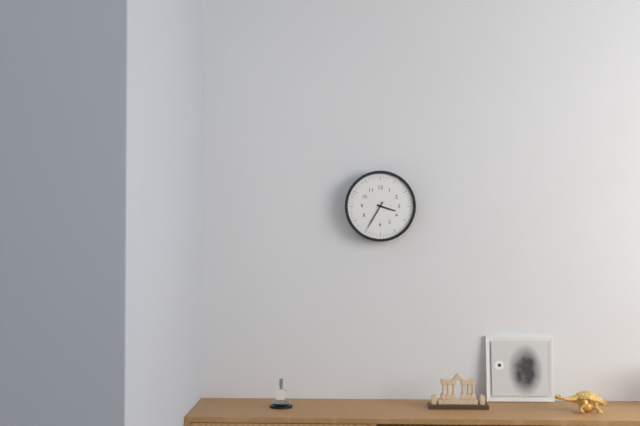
3h35
